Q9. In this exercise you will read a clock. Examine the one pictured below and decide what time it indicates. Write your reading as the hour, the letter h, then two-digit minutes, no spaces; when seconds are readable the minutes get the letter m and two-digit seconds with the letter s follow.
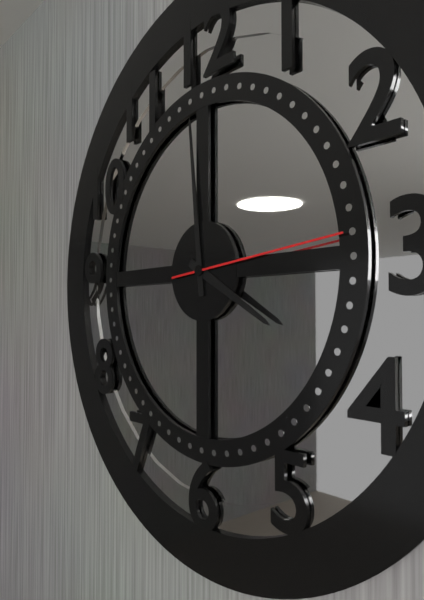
3h59m14s
